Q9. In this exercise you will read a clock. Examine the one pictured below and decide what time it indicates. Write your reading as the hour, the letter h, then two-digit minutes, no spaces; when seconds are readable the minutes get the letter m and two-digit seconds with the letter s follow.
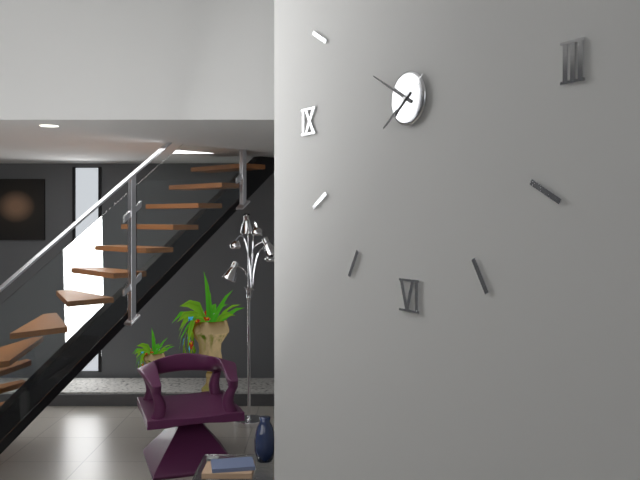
7h50
